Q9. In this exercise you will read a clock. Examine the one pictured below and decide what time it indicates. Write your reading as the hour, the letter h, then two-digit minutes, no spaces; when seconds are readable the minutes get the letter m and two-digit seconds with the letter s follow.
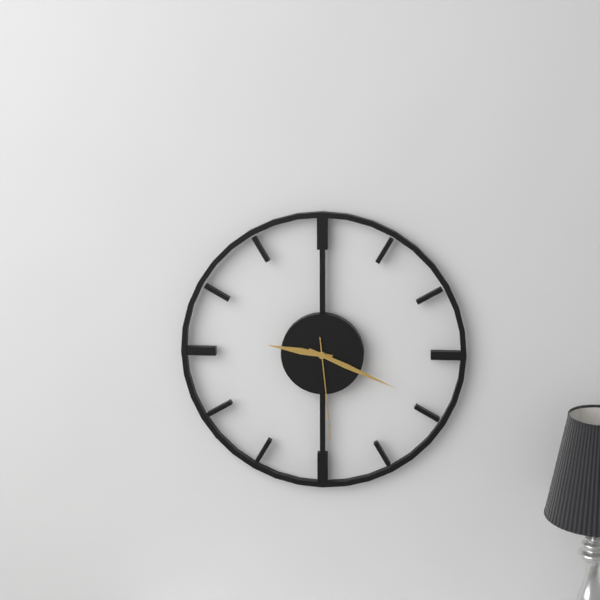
9h19m29s
